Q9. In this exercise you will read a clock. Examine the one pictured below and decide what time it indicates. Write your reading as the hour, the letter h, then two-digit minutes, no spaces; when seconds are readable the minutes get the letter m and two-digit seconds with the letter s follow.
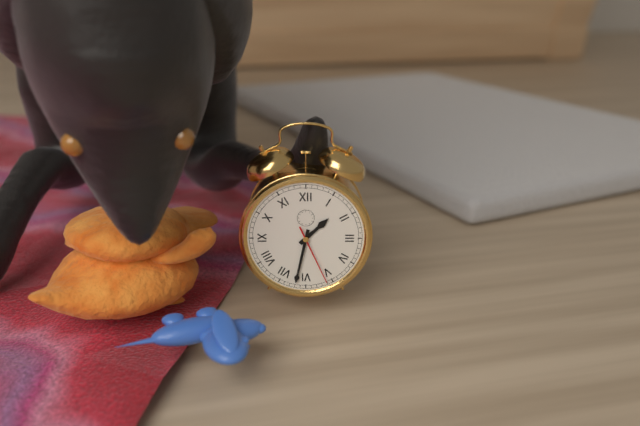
1h32m26s
